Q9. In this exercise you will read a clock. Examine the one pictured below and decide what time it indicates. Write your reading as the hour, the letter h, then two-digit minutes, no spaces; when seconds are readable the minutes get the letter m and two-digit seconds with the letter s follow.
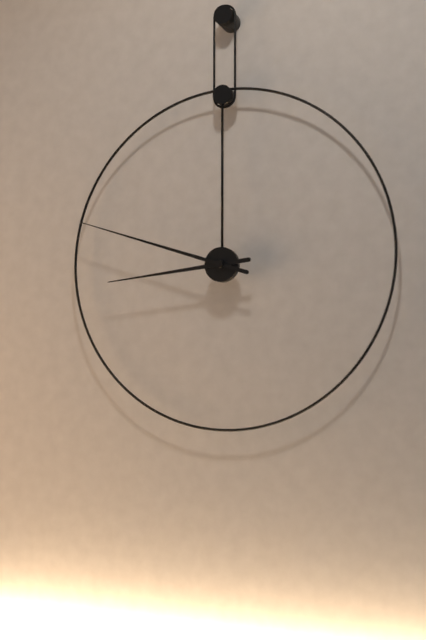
8h48
